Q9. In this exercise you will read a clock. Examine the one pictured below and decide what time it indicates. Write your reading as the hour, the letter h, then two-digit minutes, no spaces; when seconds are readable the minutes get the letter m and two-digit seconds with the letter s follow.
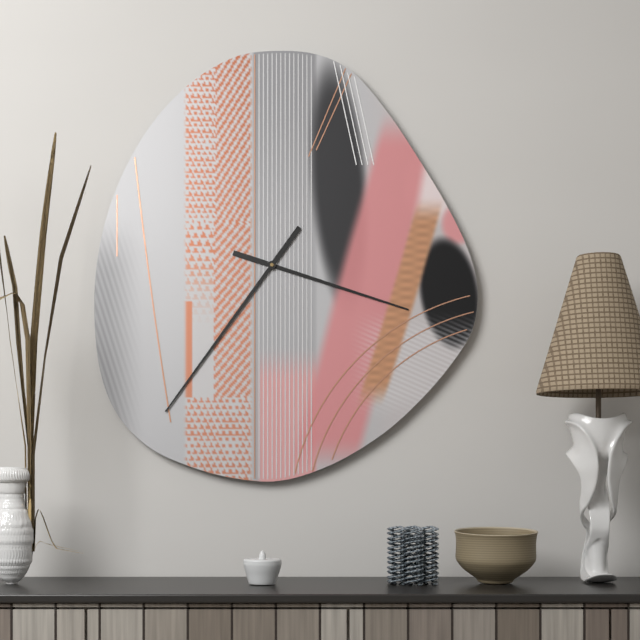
3h36
